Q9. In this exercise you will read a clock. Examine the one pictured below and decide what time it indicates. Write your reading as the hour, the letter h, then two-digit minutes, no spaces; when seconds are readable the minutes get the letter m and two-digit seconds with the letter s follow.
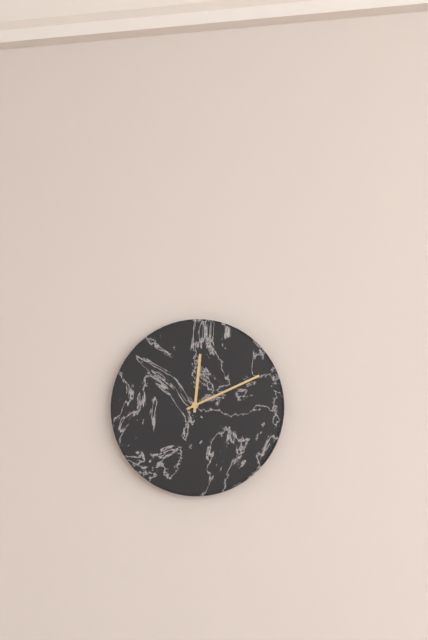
12h11
